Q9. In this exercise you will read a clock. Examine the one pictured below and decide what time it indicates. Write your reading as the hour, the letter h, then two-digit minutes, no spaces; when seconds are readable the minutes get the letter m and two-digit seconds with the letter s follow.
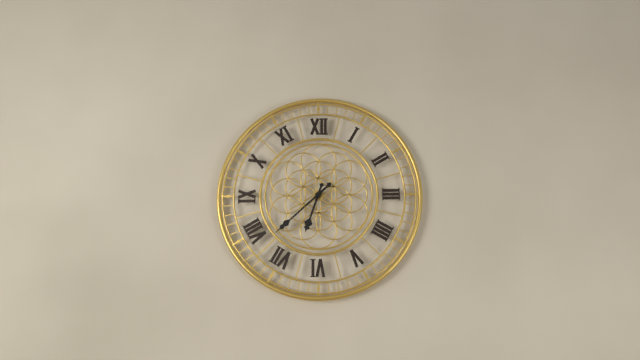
6h38
